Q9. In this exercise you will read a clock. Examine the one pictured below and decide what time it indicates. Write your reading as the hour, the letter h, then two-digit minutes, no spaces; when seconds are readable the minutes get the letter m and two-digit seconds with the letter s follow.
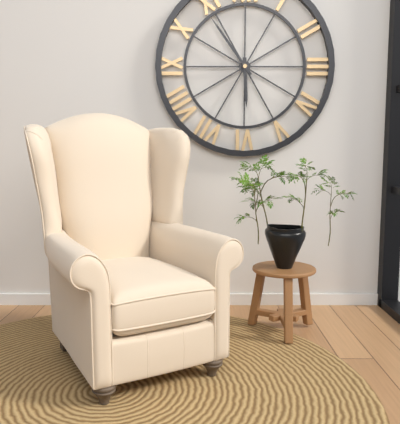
5h54
